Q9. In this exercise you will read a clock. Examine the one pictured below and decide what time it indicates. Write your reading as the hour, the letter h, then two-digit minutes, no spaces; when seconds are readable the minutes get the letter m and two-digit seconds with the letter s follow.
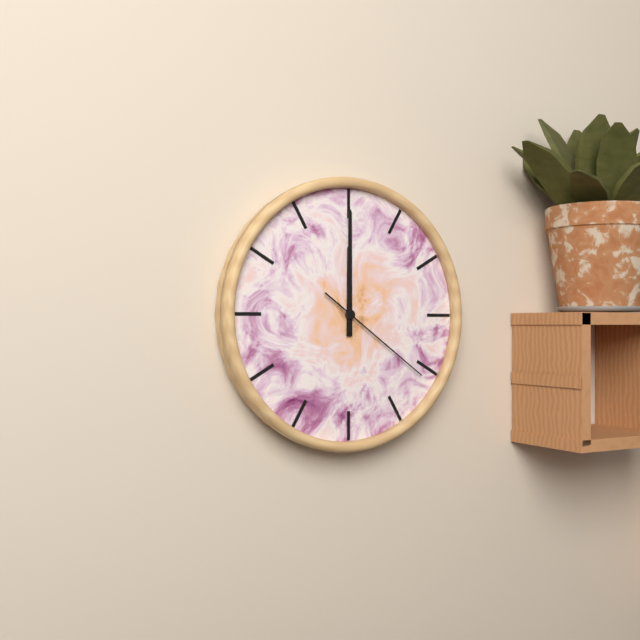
12h00m21s
